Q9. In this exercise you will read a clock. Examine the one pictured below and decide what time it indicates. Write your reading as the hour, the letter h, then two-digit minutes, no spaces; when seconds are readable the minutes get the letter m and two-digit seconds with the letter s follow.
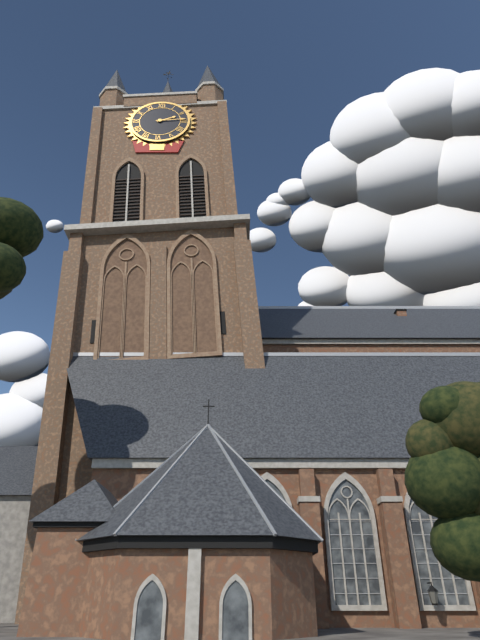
2h14
